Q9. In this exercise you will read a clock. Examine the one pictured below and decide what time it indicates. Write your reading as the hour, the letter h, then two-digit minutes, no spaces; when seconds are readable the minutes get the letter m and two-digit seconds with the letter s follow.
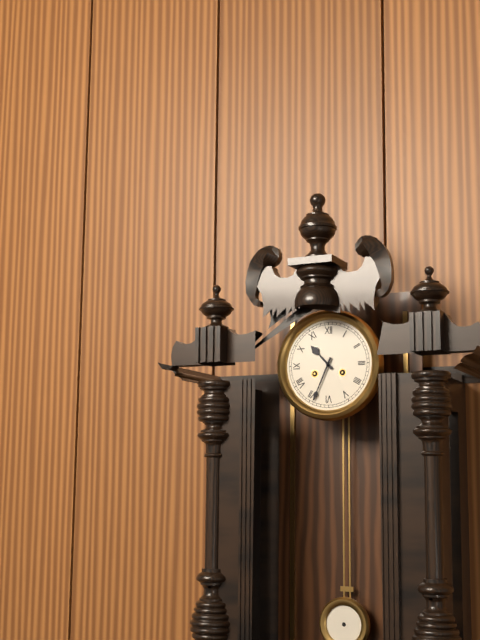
10h34
